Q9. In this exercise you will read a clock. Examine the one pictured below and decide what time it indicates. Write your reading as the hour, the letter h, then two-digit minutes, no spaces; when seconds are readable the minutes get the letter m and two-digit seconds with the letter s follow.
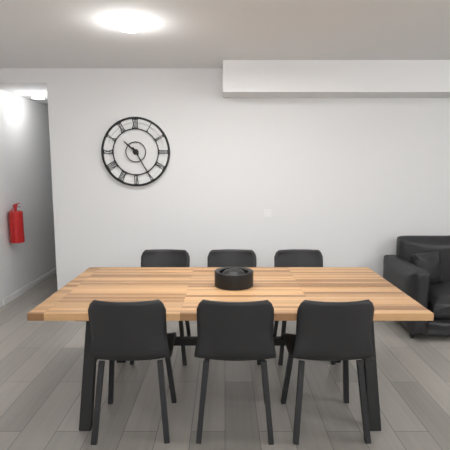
10h25
